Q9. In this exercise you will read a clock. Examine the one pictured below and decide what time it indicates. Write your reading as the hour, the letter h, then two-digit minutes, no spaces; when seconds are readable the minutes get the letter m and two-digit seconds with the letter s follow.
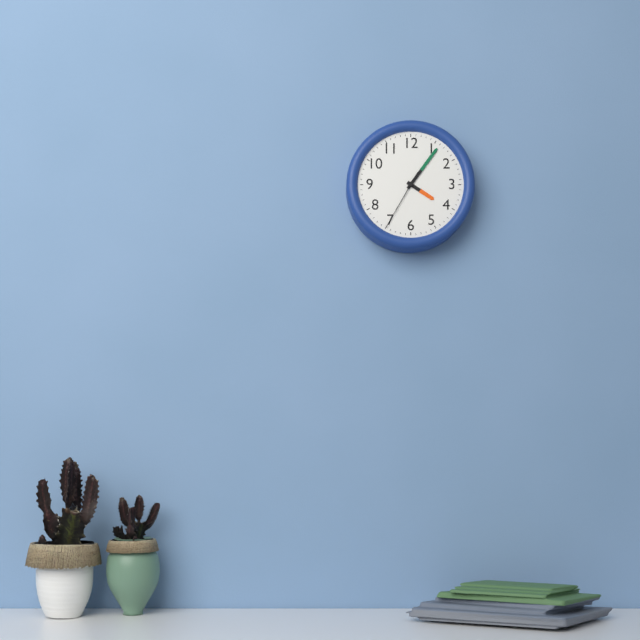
4h06m35s
